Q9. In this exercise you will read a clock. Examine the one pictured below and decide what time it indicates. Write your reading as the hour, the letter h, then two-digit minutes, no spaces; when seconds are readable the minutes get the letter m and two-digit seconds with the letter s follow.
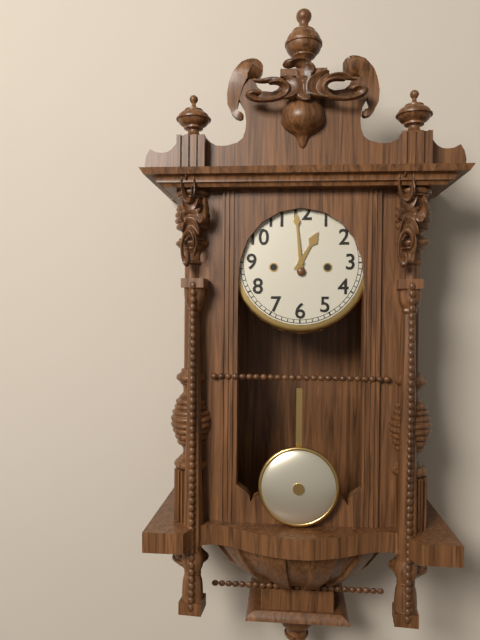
12h59
